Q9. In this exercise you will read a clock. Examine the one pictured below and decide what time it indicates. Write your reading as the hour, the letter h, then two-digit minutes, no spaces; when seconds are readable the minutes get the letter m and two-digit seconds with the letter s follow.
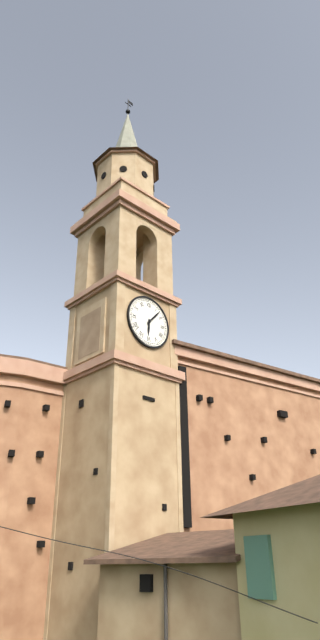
6h07
